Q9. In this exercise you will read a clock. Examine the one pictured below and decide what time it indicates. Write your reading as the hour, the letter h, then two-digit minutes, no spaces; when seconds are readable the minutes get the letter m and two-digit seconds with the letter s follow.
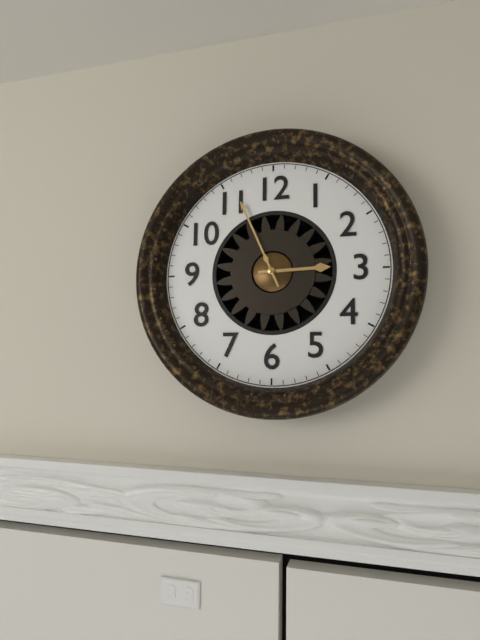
2h56
